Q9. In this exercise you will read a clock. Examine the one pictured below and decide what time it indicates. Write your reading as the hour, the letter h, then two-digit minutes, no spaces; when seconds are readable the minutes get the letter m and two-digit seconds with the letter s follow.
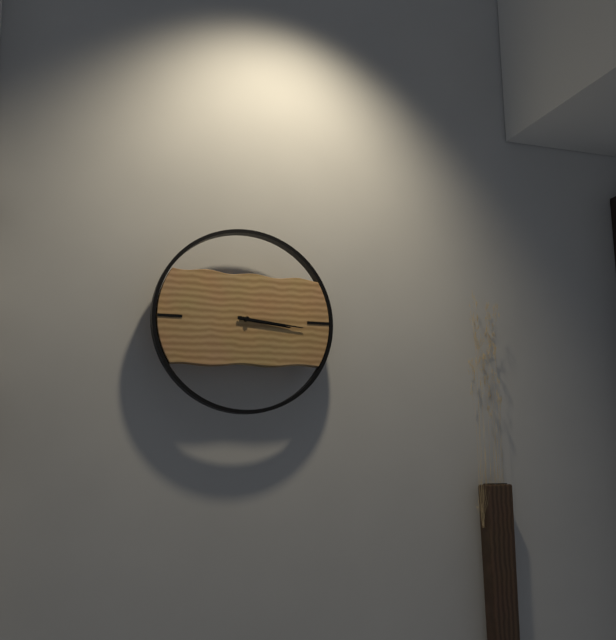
3h16
